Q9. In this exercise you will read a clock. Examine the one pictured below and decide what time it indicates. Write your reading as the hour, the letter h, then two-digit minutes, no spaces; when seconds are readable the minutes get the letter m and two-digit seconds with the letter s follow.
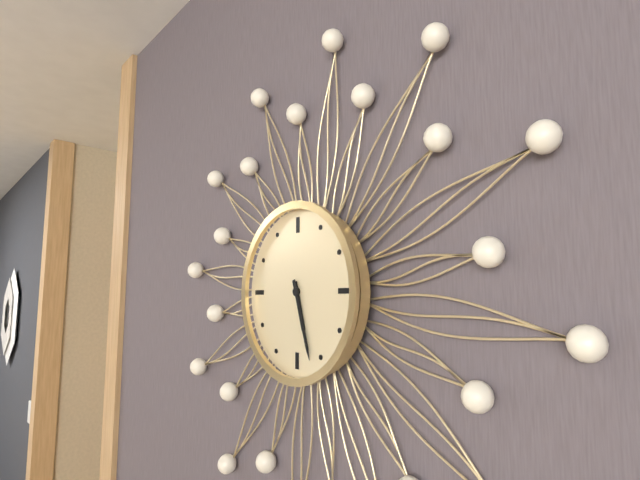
5h27
